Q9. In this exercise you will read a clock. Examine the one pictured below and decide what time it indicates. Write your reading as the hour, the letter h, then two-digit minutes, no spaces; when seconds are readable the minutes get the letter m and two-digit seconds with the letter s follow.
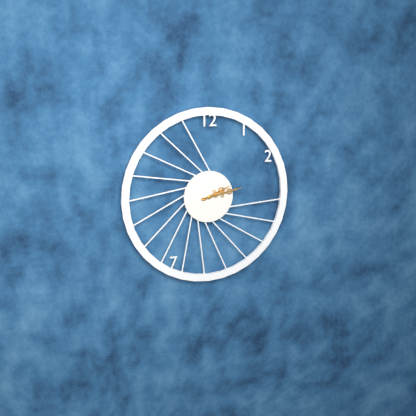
2h13
